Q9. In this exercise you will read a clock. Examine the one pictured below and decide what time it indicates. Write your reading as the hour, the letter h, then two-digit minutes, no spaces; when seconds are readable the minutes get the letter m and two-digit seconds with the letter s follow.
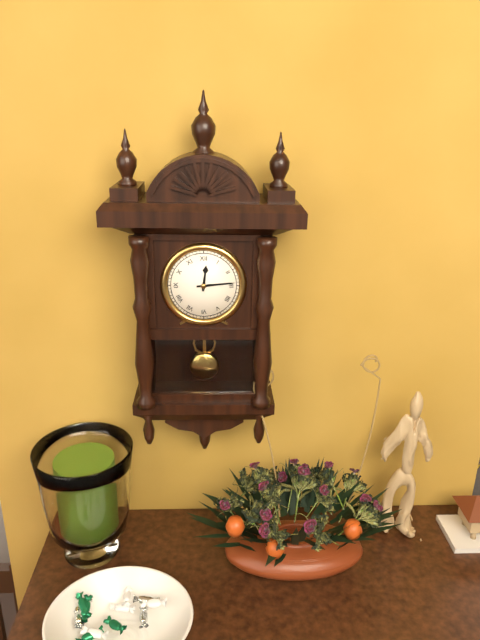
12h14
